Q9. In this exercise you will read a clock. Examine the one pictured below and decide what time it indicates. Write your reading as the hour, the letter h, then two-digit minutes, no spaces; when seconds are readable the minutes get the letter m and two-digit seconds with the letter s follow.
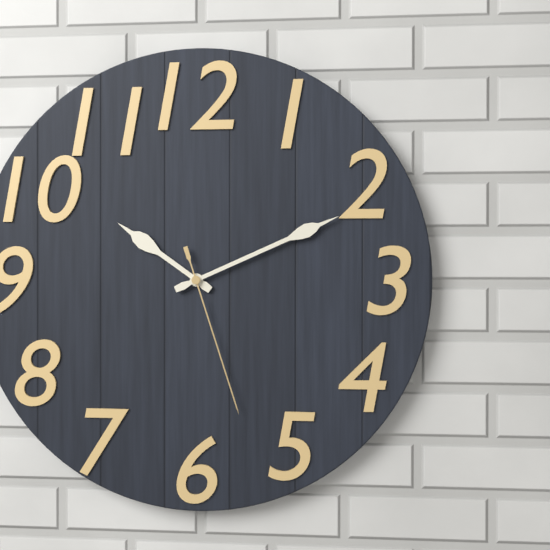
10h11m27s
